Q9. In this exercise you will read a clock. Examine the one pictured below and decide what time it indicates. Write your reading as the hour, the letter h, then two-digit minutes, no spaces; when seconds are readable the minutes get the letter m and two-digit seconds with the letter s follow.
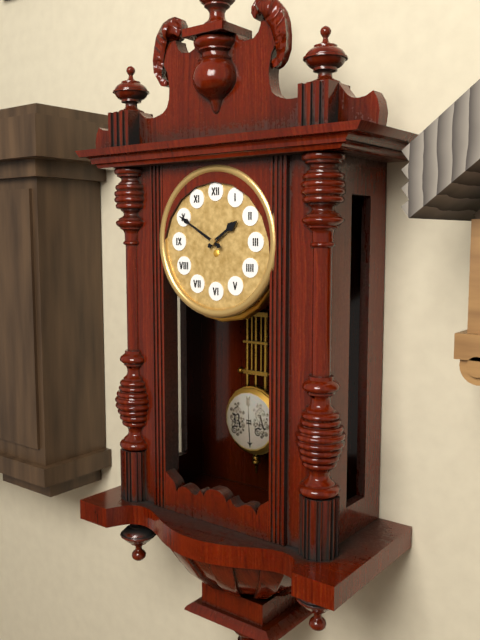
1h50
